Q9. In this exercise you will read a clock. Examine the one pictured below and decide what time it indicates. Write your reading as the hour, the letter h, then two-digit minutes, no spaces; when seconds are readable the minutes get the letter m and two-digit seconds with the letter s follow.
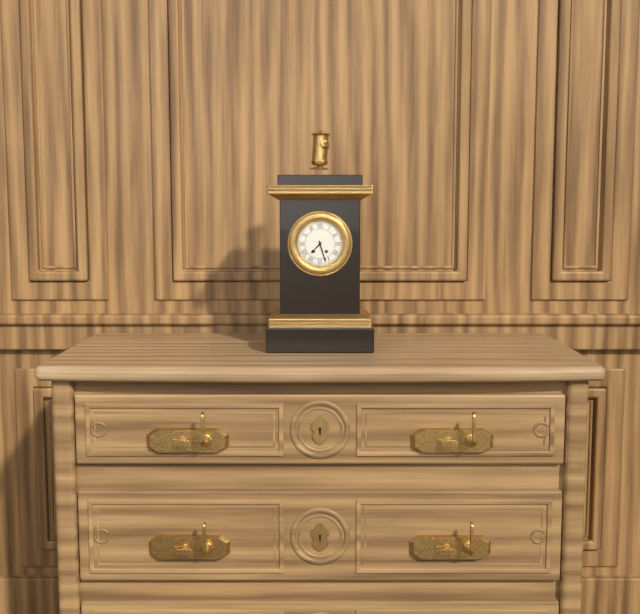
7h27
